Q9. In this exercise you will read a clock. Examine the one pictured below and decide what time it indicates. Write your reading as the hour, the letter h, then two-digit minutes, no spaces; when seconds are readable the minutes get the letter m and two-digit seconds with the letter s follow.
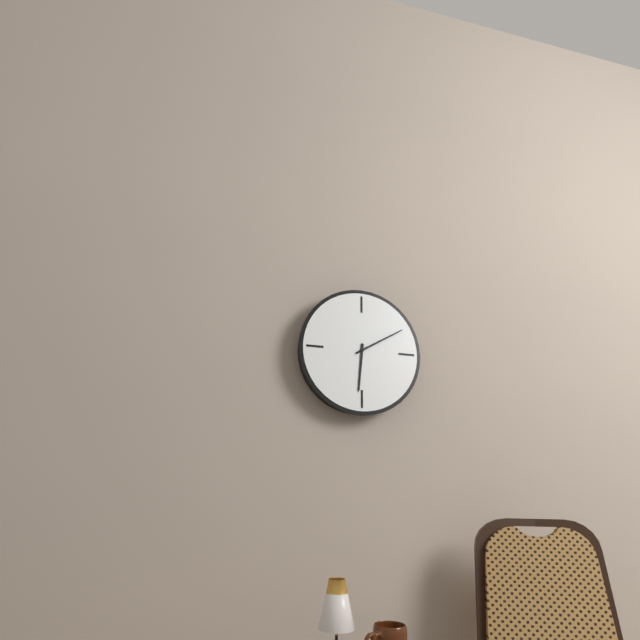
6h10
